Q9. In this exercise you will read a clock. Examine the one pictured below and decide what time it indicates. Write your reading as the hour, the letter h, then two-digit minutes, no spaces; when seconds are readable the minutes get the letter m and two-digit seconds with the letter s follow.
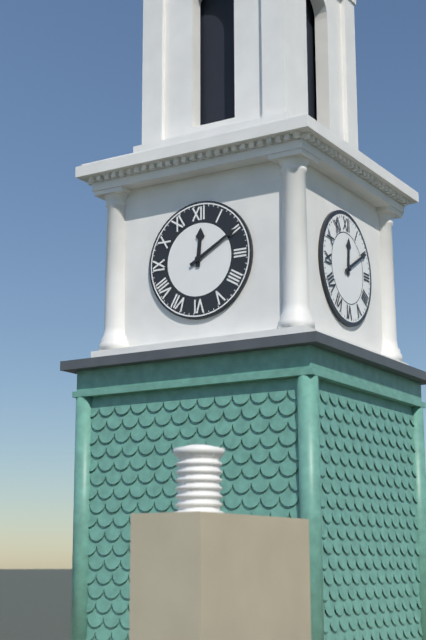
12h10
